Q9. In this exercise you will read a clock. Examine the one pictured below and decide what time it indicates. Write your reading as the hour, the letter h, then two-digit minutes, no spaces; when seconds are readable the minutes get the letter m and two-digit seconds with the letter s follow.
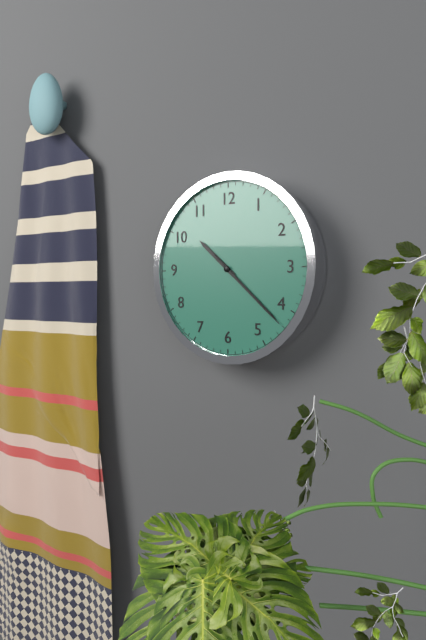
10h22m22s
